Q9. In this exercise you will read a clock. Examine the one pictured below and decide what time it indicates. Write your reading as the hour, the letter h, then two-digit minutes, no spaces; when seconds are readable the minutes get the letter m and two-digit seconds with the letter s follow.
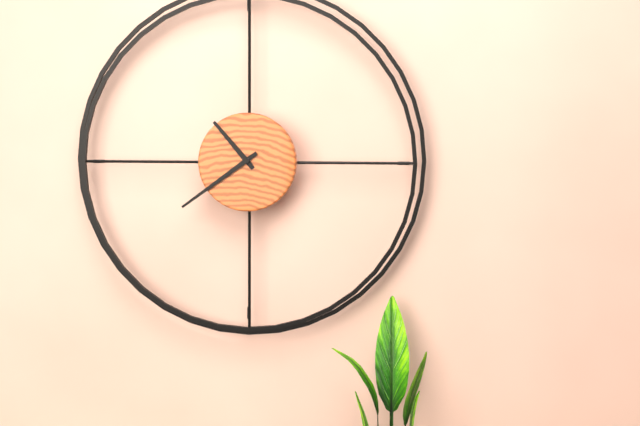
10h39
